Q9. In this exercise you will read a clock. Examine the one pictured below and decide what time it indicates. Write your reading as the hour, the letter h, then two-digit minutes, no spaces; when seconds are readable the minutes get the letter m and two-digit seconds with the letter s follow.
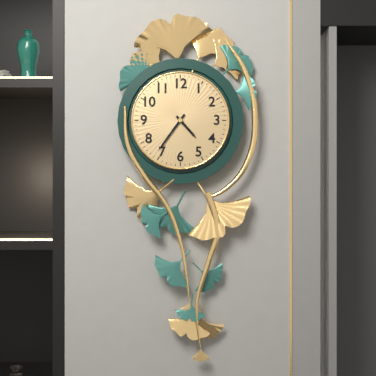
4h36
